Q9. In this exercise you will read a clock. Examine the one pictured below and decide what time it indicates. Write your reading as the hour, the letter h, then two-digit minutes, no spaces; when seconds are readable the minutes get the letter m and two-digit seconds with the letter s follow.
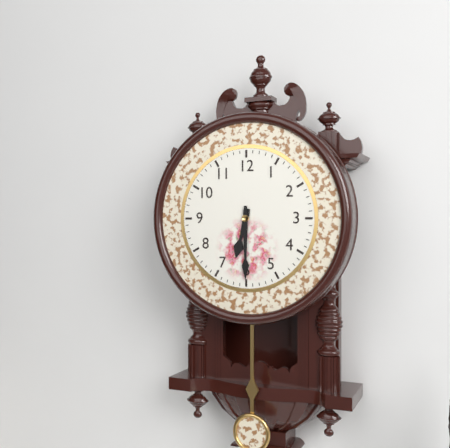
6h30
